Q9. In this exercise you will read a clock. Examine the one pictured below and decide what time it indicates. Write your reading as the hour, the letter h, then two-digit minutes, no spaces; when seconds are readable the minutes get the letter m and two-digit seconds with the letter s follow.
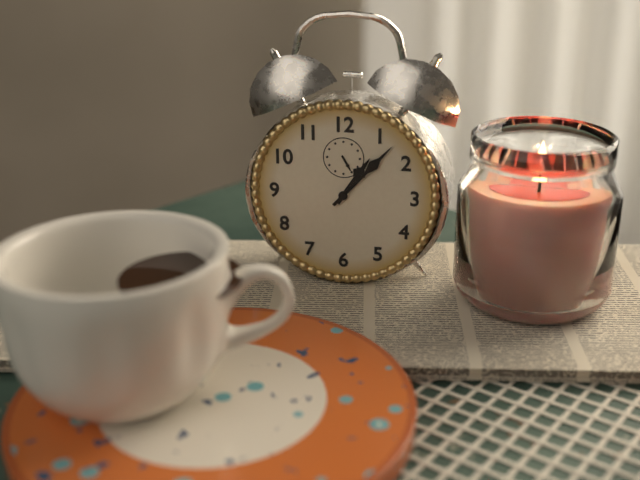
1h07
